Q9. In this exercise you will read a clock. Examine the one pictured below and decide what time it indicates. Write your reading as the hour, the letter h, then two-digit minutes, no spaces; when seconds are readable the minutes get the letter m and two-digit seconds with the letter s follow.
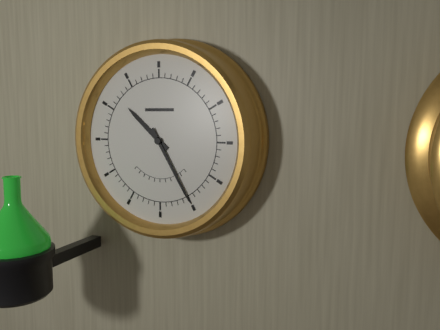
10h25
